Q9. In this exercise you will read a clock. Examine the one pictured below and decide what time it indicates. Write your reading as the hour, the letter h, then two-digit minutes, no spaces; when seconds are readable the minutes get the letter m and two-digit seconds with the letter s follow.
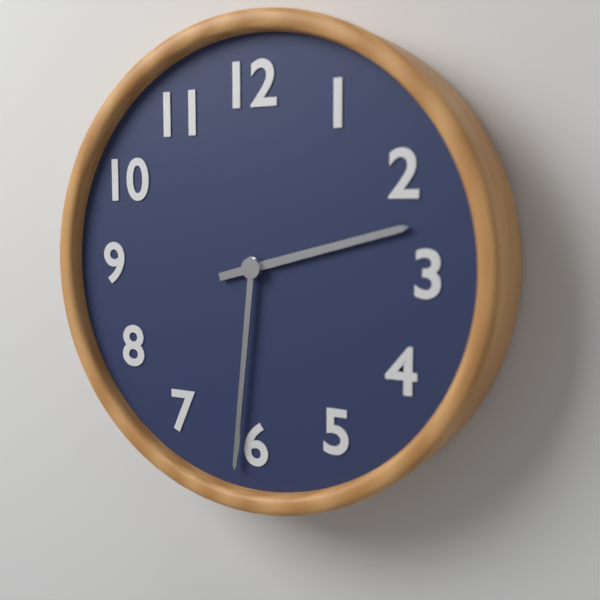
2h31
